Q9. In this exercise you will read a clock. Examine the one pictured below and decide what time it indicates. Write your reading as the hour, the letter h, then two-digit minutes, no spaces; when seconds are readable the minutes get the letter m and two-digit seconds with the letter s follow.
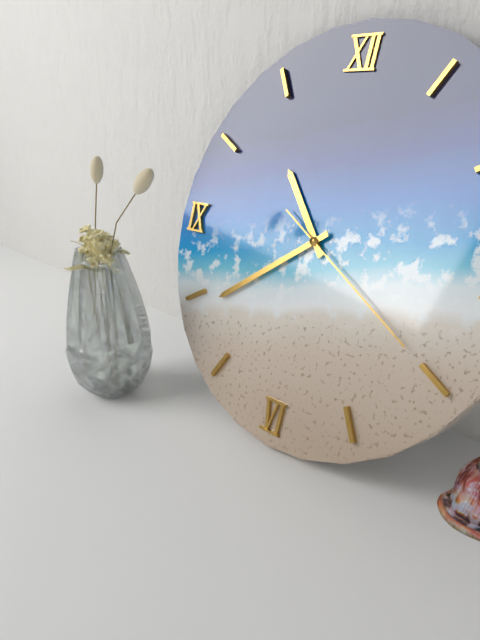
10h39m20s
